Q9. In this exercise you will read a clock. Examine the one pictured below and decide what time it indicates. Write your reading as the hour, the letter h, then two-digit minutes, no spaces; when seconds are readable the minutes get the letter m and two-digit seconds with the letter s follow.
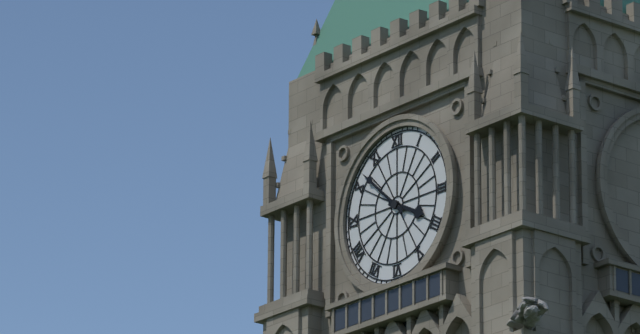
3h52
